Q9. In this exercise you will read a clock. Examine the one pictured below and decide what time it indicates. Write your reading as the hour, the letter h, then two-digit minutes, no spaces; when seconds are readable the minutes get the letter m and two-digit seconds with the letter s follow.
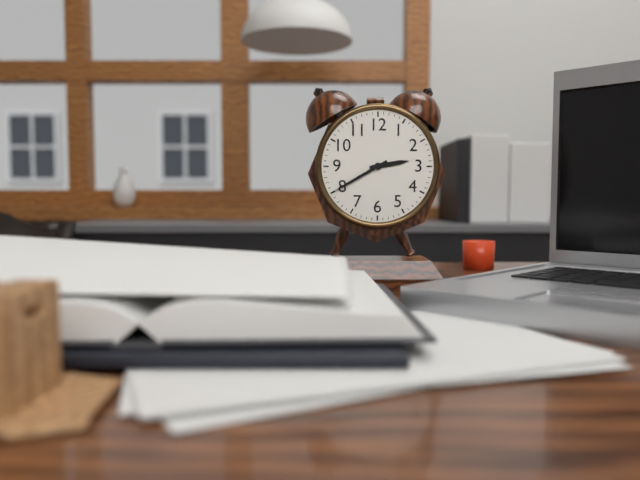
2h40
